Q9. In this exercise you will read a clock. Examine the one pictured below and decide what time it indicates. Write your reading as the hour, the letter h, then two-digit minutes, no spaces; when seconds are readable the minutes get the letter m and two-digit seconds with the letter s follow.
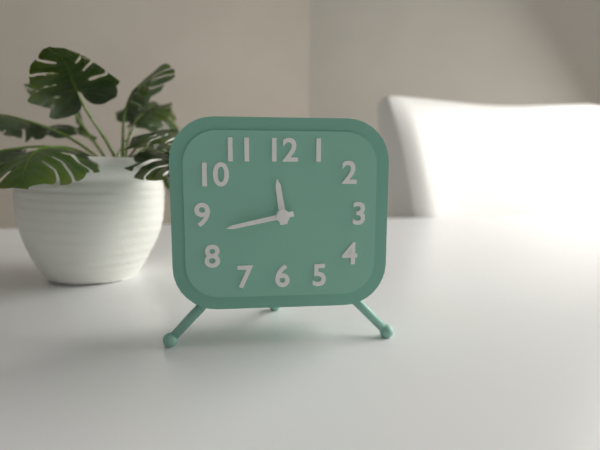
11h43
